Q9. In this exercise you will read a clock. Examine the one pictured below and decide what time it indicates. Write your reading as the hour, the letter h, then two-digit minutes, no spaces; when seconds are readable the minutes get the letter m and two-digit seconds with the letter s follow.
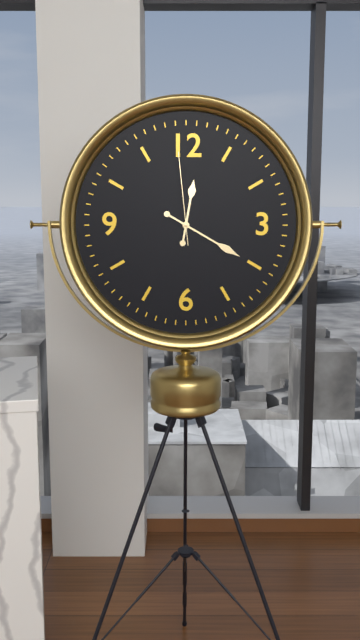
12h20m59s
